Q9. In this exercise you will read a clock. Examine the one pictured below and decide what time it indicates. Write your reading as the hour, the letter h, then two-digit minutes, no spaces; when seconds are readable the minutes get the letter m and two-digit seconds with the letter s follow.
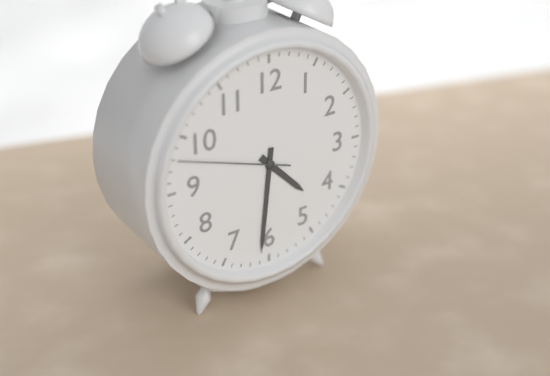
4h31m48s
